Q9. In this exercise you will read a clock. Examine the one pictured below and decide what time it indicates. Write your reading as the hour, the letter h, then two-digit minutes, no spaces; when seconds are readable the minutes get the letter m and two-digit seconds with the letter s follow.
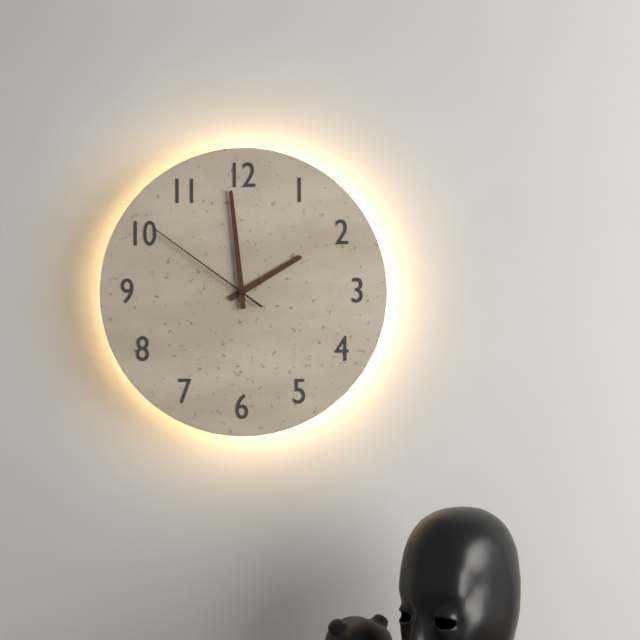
1h59m51s
